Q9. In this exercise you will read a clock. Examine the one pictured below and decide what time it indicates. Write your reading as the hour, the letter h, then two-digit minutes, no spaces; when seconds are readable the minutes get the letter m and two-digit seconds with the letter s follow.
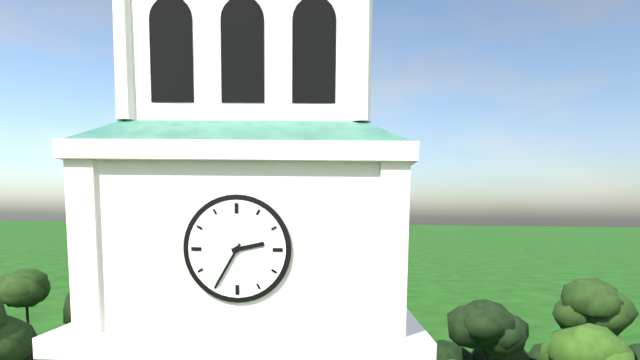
2h35
